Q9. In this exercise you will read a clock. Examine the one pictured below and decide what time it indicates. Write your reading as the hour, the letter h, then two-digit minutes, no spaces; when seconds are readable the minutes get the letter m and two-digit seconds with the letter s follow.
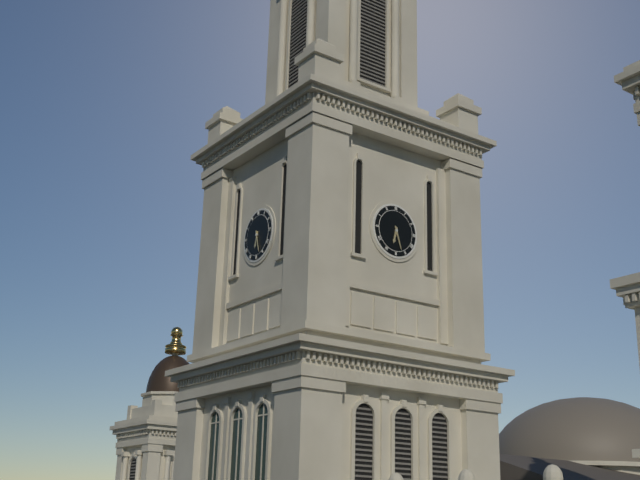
6h27
